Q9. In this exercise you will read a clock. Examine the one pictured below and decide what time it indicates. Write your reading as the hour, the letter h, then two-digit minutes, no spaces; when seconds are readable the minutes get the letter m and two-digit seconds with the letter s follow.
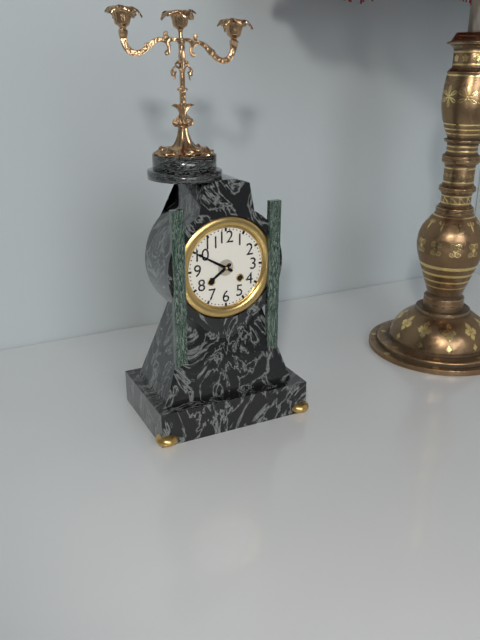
7h50
